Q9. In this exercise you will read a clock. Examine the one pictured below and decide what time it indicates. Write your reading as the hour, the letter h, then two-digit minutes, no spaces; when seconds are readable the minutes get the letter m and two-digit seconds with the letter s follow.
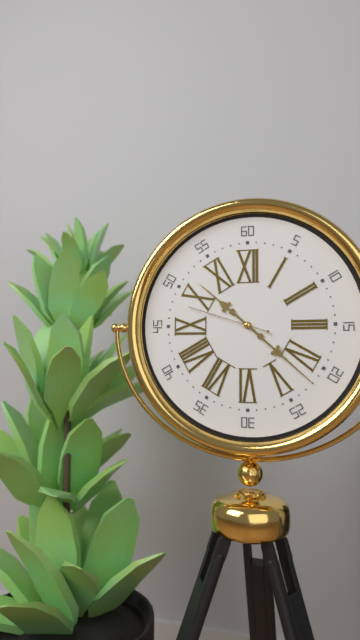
10h22m48s
